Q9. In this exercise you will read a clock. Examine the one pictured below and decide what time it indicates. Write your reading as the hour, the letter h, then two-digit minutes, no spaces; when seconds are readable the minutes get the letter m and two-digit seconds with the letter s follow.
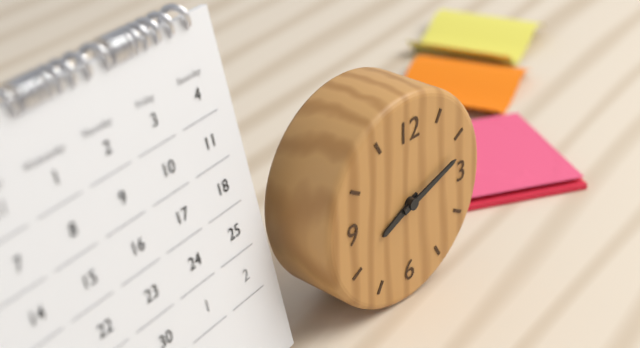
8h12
